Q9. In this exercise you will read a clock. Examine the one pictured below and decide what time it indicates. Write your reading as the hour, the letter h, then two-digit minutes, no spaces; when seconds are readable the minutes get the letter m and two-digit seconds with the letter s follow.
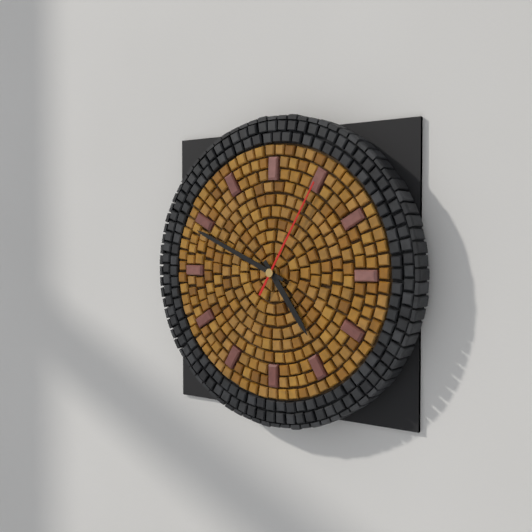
4h49m05s
